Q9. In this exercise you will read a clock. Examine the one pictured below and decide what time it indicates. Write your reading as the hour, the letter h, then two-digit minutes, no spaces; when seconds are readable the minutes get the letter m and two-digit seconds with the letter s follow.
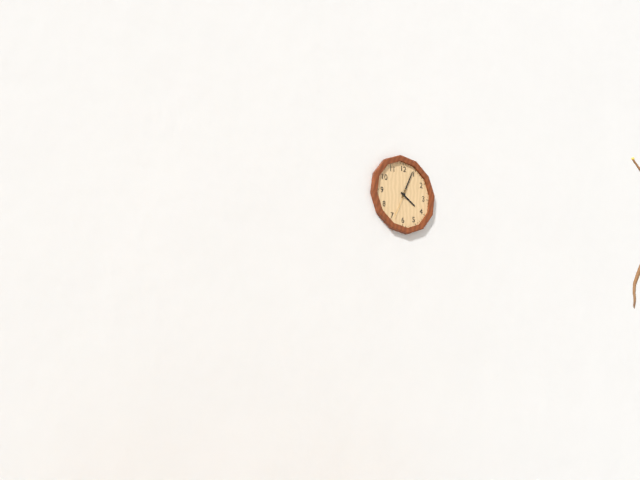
4h04
